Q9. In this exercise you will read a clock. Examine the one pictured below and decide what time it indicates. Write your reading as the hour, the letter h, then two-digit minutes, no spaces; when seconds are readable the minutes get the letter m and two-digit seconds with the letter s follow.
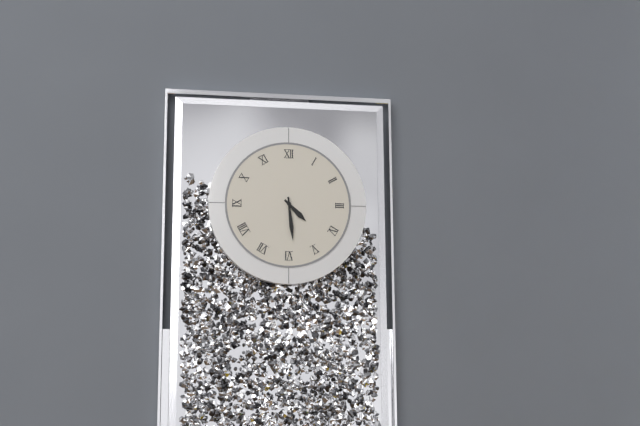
4h29
